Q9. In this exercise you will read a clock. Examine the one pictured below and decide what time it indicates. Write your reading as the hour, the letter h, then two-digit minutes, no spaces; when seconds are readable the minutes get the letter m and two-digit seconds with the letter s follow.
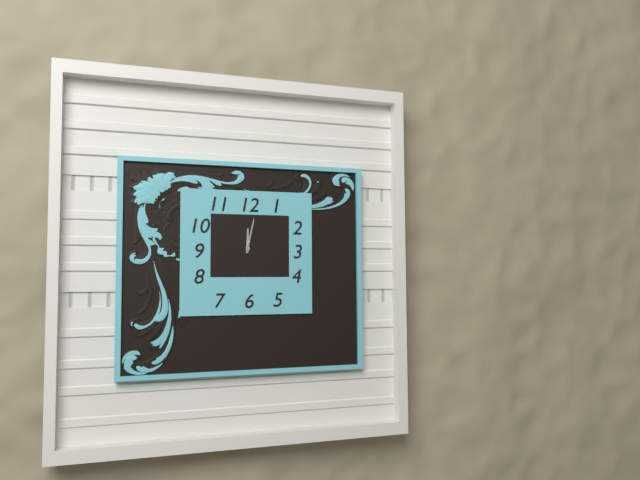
12h02
